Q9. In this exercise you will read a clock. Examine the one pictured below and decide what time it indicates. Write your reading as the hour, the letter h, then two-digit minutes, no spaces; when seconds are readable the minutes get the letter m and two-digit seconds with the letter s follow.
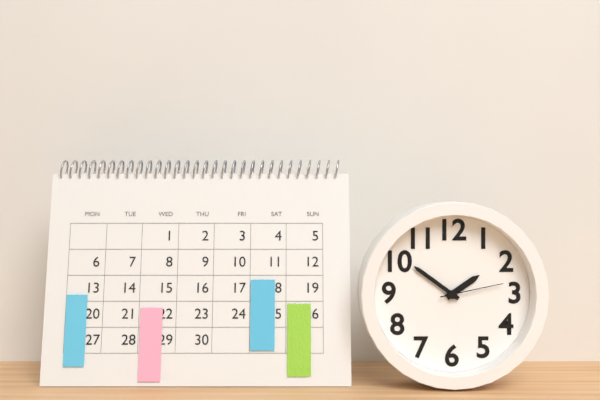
1h51m13s
